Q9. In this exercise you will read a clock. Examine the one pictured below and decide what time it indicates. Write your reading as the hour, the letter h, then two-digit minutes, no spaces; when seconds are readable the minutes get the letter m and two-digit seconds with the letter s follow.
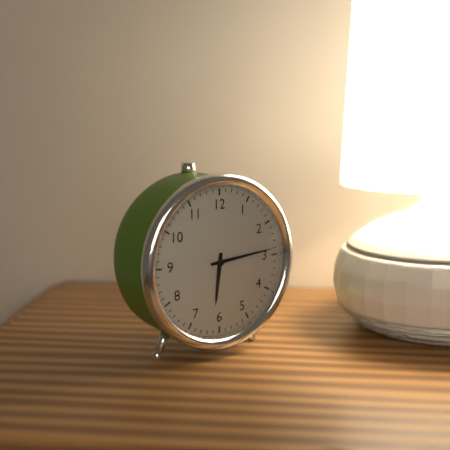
6h14
